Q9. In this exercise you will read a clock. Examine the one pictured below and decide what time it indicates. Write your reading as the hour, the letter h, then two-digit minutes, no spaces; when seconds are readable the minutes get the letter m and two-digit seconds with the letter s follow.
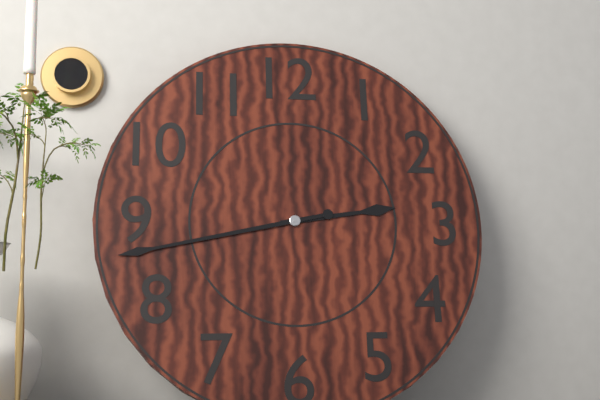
2h43
